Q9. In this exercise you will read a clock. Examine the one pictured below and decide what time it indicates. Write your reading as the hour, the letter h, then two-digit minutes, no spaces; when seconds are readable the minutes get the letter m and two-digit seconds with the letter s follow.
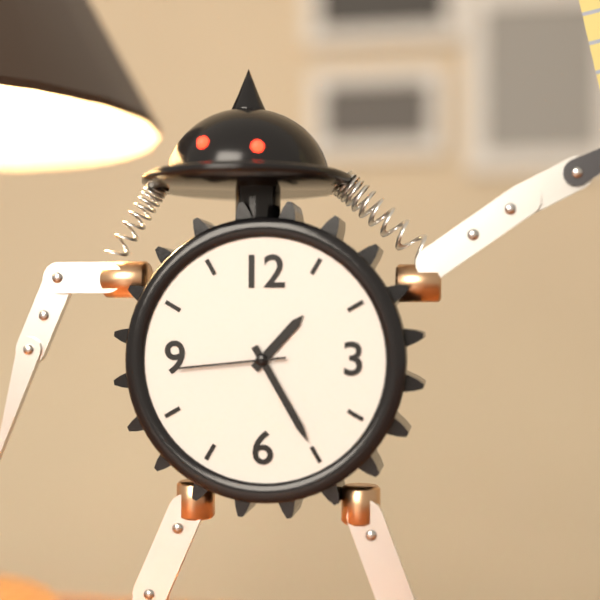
1h25m44s
